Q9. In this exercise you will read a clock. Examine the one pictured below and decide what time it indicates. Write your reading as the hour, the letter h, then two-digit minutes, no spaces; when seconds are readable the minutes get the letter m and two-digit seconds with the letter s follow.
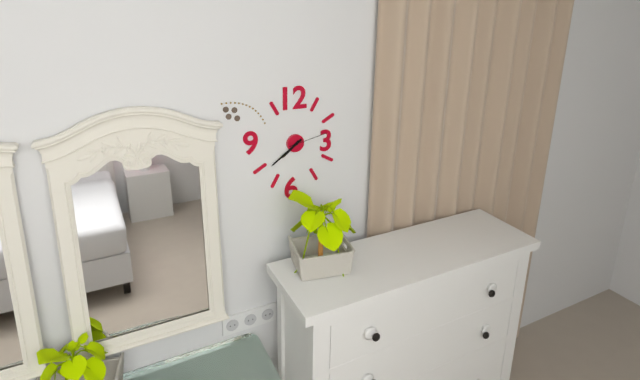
7h39
